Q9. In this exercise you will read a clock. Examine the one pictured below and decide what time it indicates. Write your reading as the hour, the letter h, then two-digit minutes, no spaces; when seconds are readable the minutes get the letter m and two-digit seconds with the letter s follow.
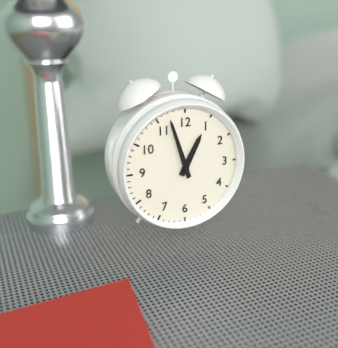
12h57
